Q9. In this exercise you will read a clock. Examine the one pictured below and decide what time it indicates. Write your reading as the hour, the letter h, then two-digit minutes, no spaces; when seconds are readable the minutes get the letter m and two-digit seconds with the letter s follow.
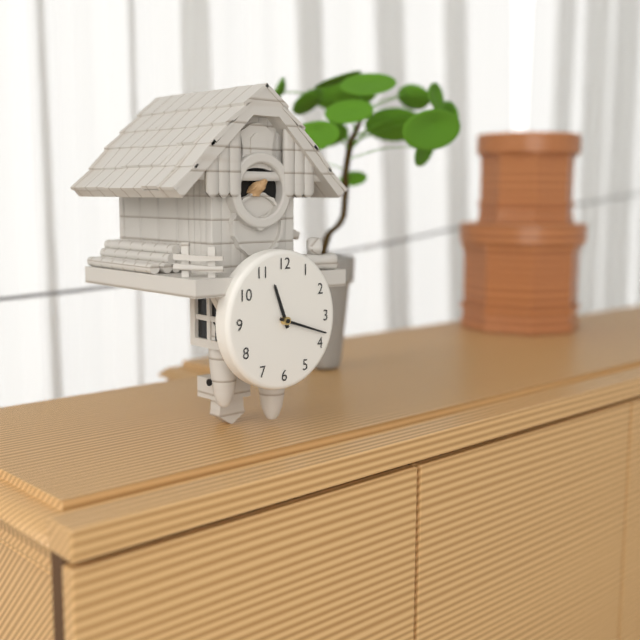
11h18
